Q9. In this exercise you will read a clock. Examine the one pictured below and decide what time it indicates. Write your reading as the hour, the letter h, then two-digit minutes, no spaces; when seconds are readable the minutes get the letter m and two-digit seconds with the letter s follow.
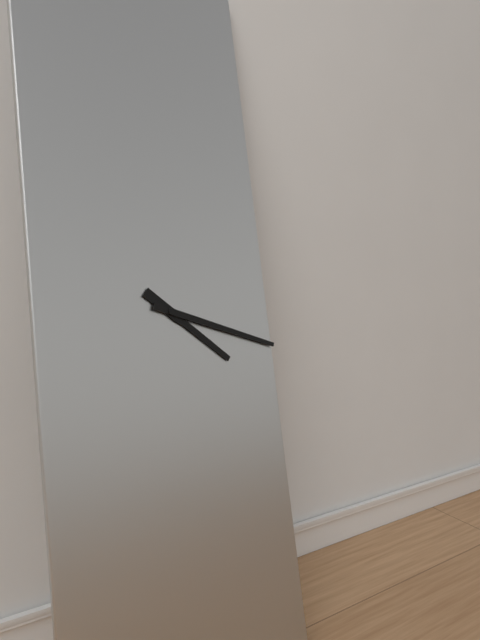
4h18
